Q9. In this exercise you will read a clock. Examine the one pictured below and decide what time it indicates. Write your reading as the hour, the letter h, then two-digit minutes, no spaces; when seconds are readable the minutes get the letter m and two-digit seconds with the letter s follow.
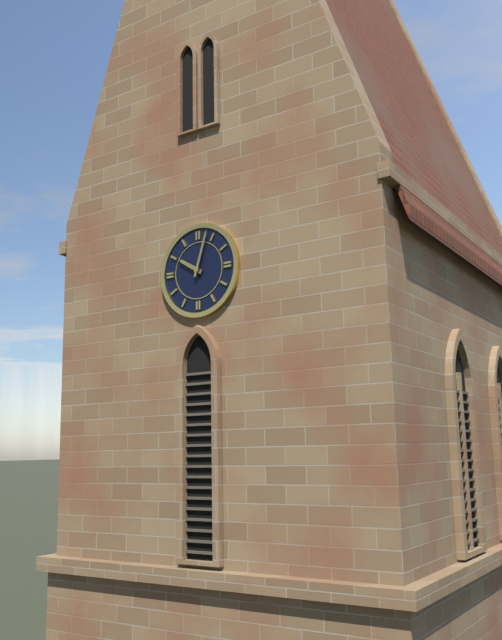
10h03
